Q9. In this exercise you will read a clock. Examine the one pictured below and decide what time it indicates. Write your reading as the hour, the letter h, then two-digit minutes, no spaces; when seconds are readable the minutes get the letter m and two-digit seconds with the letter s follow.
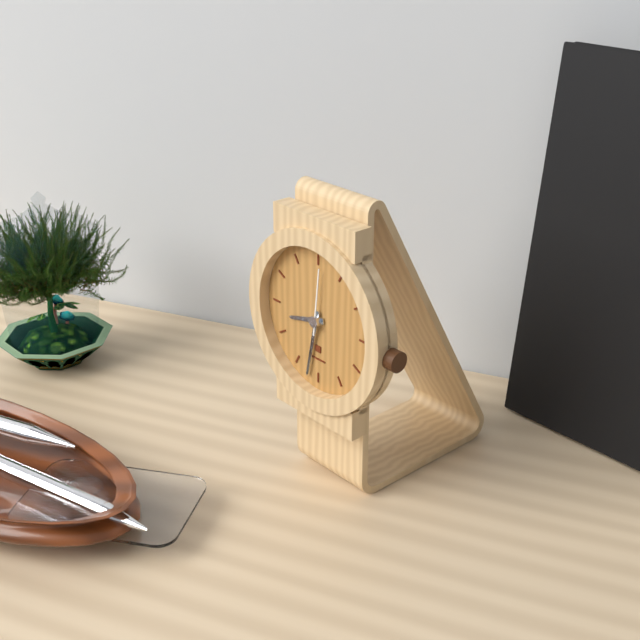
8h32m01s
